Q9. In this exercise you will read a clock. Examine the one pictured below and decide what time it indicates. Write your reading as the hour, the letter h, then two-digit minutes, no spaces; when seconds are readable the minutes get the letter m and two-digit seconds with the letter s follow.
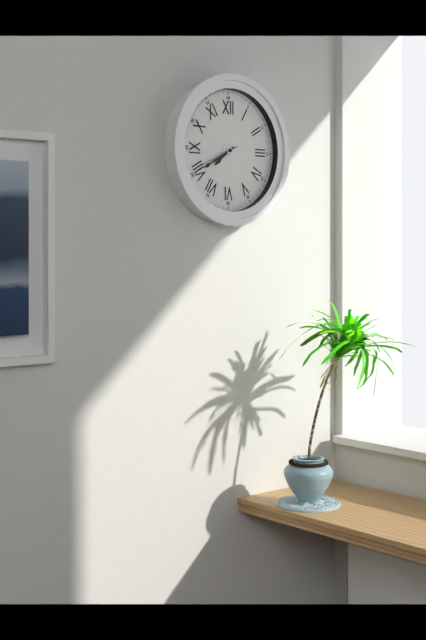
7h40
